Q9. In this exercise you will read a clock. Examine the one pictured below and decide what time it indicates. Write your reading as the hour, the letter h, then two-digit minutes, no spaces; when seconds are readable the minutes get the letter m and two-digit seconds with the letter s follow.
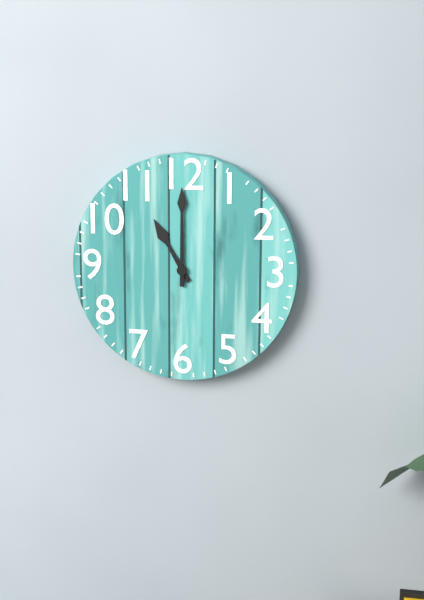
11h00
